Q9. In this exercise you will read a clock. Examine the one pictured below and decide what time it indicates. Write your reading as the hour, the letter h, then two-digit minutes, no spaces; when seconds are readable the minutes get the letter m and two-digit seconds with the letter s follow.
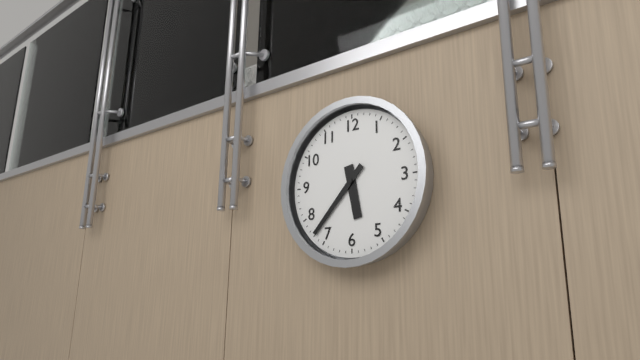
5h37
